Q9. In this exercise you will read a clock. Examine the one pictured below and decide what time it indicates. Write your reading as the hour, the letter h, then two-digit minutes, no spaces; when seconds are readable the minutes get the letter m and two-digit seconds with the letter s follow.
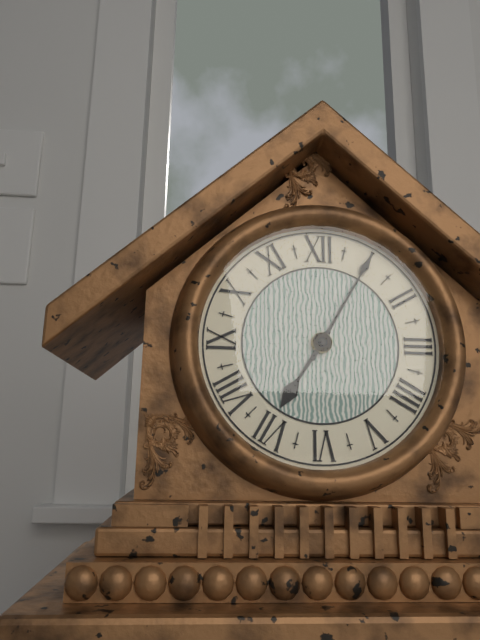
7h05
